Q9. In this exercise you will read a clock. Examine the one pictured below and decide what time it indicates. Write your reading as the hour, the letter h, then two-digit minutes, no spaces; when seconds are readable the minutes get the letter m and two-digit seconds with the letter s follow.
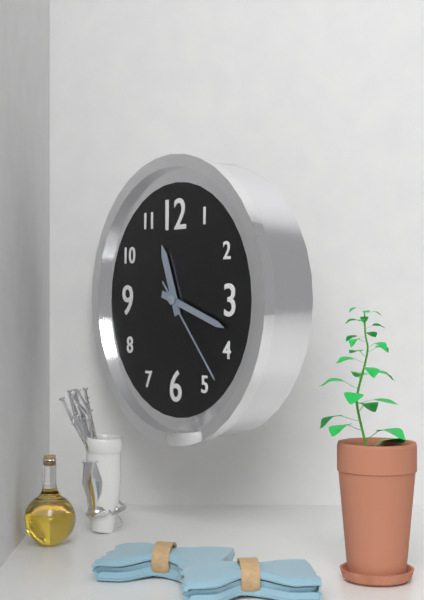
11h18m23s
